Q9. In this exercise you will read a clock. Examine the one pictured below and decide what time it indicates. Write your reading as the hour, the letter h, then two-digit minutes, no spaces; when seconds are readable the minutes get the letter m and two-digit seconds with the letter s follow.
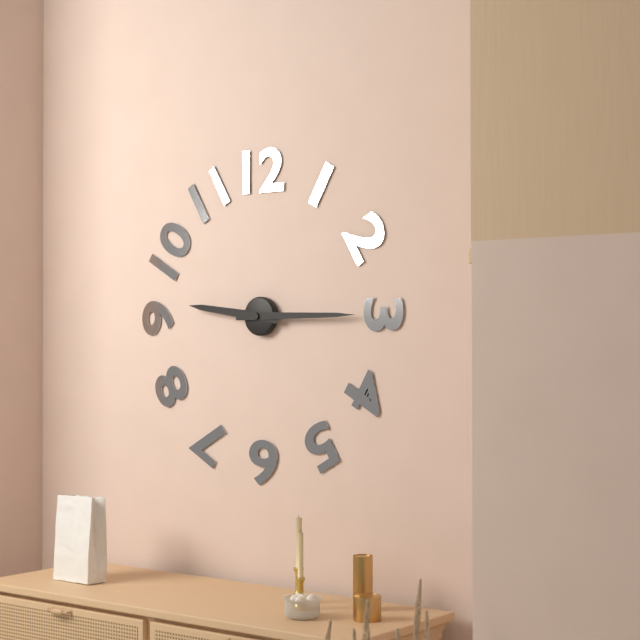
9h15
